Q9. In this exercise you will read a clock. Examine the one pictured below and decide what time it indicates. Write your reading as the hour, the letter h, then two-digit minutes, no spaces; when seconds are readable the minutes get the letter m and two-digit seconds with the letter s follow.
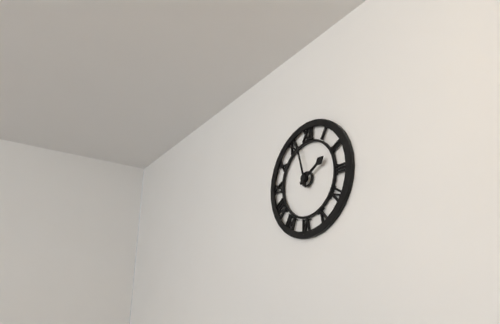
1h57
